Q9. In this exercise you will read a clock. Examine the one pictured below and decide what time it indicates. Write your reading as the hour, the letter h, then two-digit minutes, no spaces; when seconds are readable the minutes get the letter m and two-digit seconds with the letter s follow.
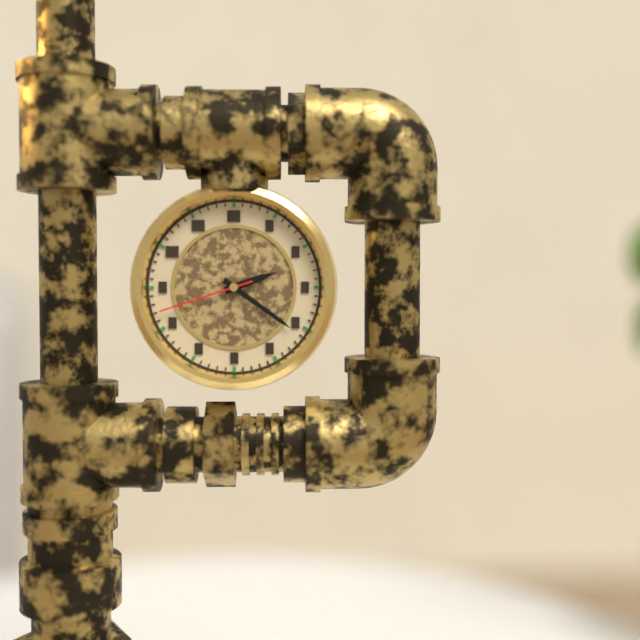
2h21m42s
